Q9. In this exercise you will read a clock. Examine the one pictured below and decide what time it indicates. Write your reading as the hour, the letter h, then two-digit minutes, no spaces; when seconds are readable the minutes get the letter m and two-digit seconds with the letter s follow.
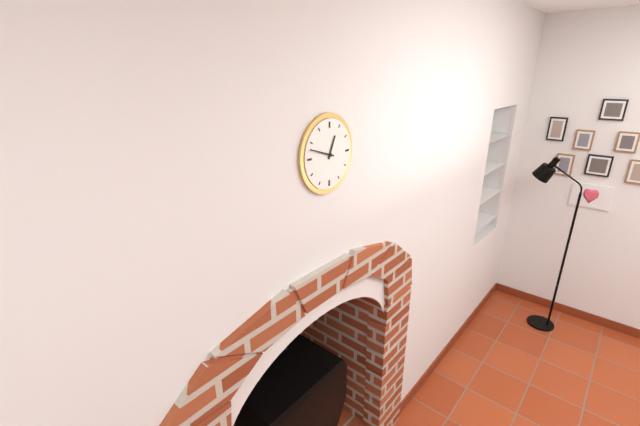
12h48
